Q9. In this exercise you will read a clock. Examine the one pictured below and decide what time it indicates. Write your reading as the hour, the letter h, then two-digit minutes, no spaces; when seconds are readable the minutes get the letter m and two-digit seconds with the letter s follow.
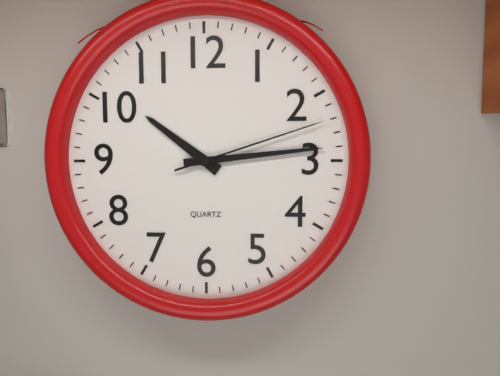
10h14m12s
